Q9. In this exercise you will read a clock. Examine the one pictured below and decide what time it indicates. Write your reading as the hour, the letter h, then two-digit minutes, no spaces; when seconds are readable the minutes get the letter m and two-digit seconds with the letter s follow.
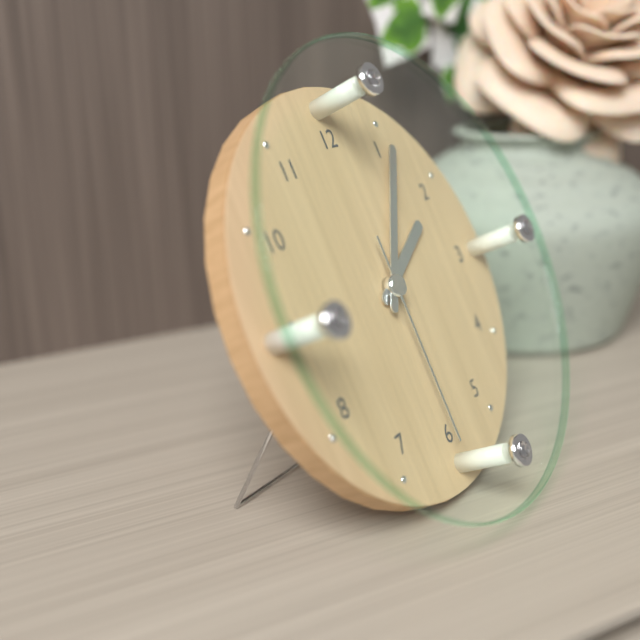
2h06m30s
